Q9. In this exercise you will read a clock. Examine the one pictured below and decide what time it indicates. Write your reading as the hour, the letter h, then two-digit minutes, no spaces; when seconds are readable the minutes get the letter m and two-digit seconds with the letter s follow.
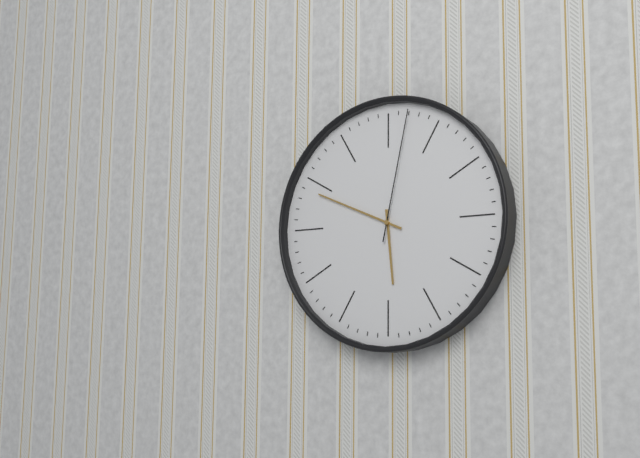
5h49m02s
